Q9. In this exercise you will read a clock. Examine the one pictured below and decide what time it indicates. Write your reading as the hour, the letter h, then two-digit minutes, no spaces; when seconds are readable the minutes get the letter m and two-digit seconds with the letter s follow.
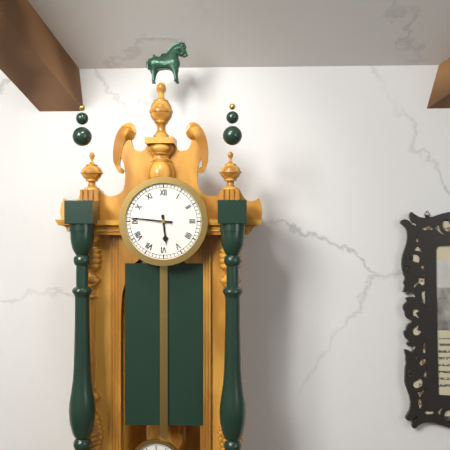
5h46
